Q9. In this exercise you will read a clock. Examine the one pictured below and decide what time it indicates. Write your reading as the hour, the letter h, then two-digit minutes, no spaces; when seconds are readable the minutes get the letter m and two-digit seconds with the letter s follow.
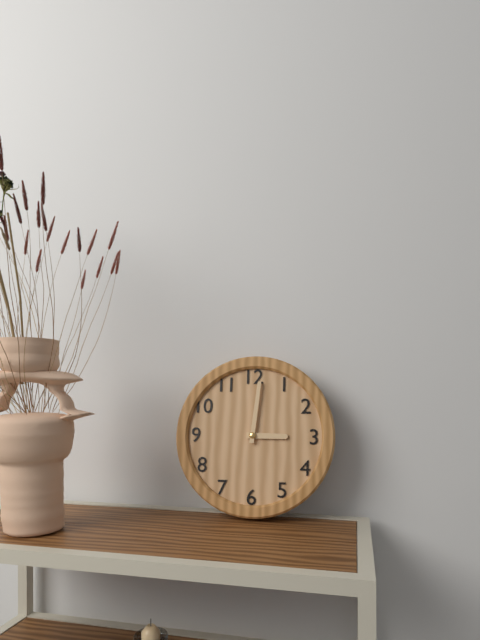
3h01
